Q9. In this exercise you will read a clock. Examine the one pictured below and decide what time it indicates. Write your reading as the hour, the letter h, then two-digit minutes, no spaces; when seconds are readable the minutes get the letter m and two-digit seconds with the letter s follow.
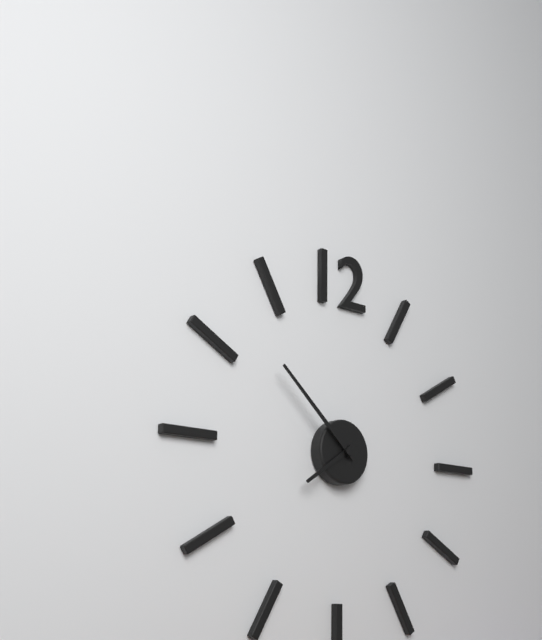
7h52
